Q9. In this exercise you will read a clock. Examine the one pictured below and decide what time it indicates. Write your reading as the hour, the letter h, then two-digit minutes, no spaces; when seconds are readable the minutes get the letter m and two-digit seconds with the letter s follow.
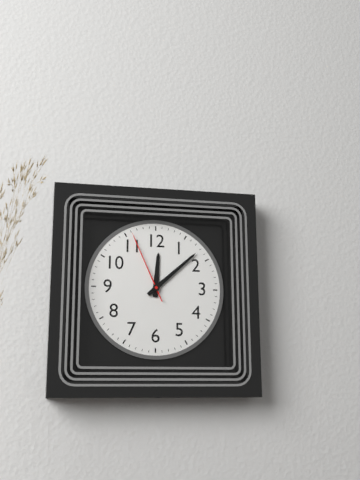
12h08m56s
